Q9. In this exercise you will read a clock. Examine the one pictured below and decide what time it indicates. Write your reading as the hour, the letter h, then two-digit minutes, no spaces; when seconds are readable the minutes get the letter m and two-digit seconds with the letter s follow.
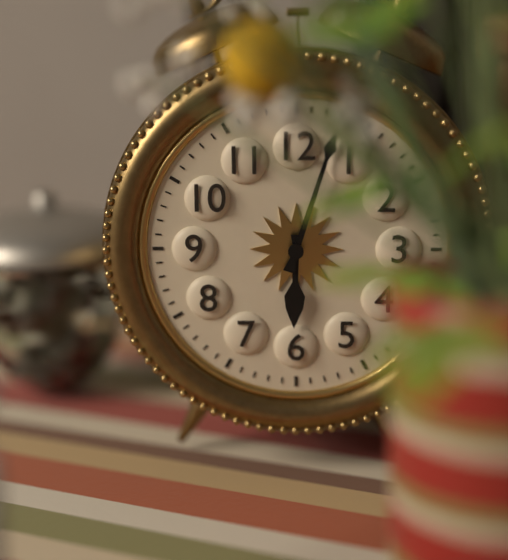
6h03
